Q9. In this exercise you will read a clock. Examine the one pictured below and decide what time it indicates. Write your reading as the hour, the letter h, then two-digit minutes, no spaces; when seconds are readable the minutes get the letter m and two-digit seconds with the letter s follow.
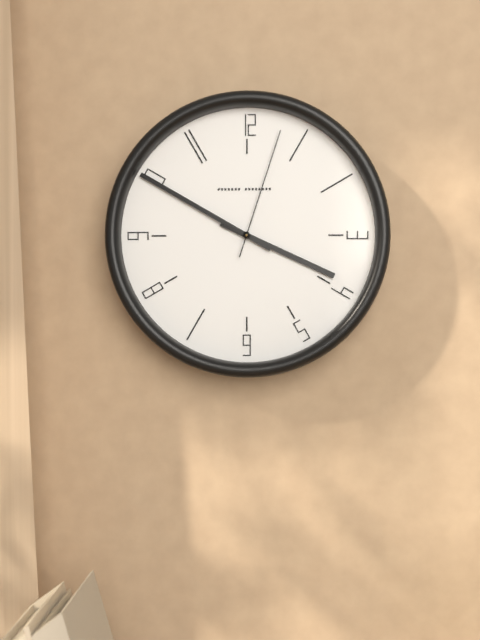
3h50m03s
